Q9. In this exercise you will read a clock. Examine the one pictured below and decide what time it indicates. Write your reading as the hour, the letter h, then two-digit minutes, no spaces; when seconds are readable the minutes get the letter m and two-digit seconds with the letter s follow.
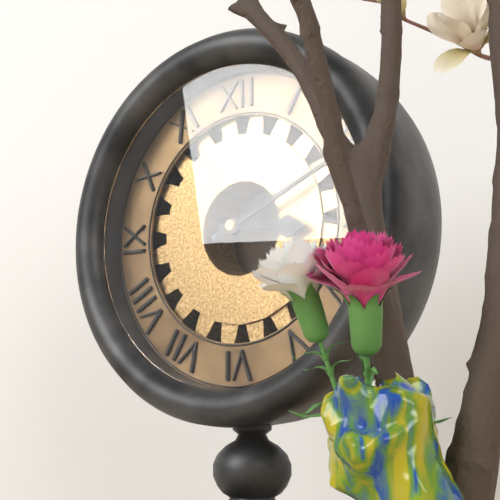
3h11
